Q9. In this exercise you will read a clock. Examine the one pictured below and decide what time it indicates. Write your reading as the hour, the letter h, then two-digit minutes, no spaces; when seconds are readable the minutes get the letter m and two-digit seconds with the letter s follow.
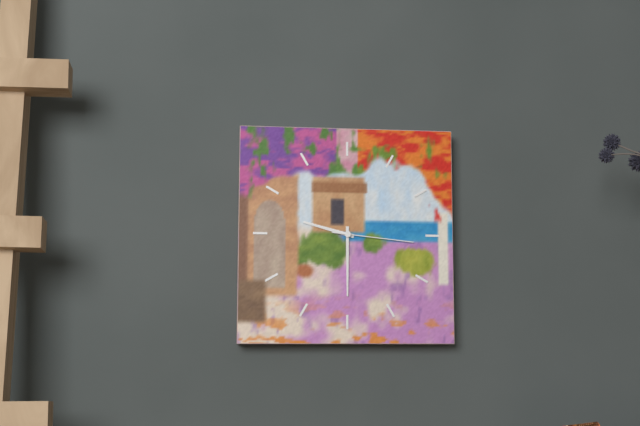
9h30m16s
